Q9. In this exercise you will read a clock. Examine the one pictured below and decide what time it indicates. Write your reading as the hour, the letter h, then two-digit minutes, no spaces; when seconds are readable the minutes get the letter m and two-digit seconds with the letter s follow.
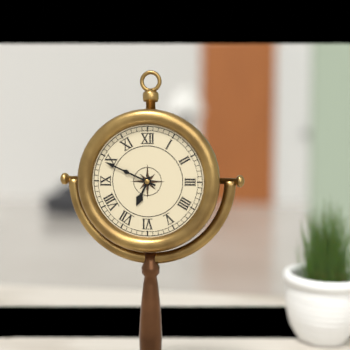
6h49
